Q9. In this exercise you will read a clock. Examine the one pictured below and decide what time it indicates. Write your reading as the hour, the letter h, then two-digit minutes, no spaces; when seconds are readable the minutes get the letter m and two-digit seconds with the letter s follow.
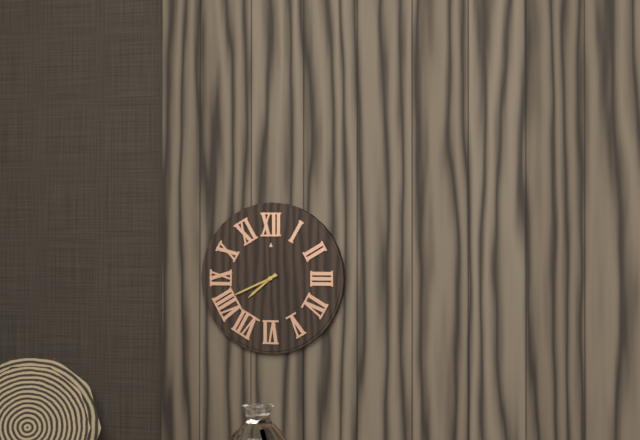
7h41
